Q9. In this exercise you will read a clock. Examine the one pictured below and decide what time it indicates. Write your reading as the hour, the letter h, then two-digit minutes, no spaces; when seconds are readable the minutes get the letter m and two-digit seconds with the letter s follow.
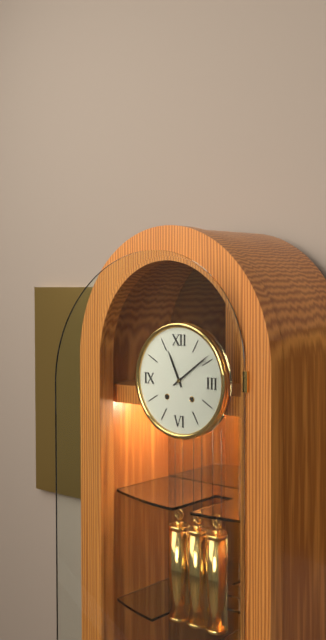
11h09
